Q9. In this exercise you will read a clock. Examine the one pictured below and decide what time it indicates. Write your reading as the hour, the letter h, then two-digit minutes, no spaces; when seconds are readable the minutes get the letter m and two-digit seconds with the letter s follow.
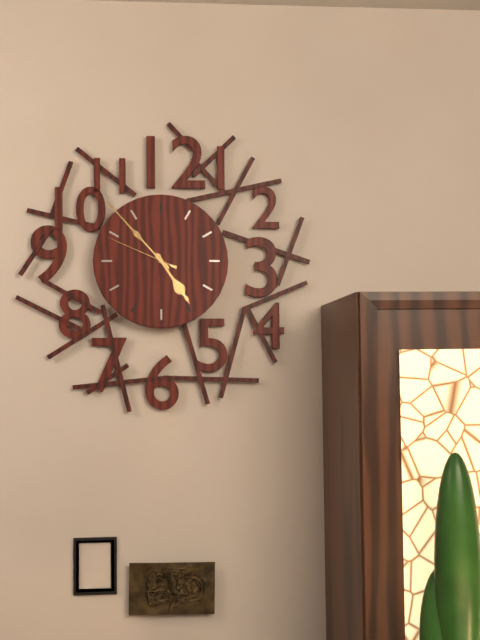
4h53m49s
